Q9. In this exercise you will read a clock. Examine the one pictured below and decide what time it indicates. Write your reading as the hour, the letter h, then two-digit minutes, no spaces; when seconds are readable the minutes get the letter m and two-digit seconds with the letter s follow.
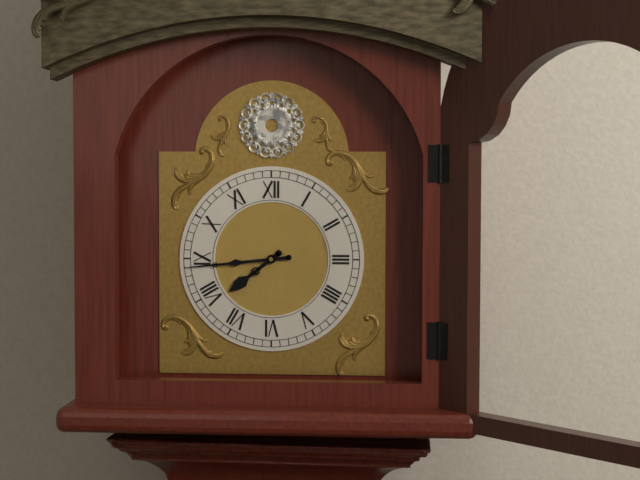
7h44
